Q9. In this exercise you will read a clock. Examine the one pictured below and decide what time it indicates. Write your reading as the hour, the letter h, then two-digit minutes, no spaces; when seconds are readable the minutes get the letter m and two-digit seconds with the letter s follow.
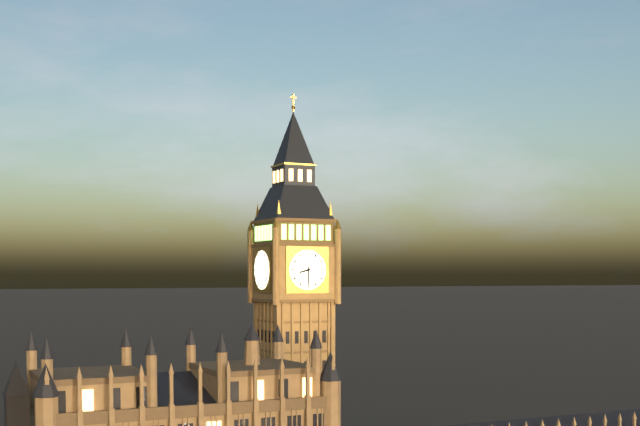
8h30
